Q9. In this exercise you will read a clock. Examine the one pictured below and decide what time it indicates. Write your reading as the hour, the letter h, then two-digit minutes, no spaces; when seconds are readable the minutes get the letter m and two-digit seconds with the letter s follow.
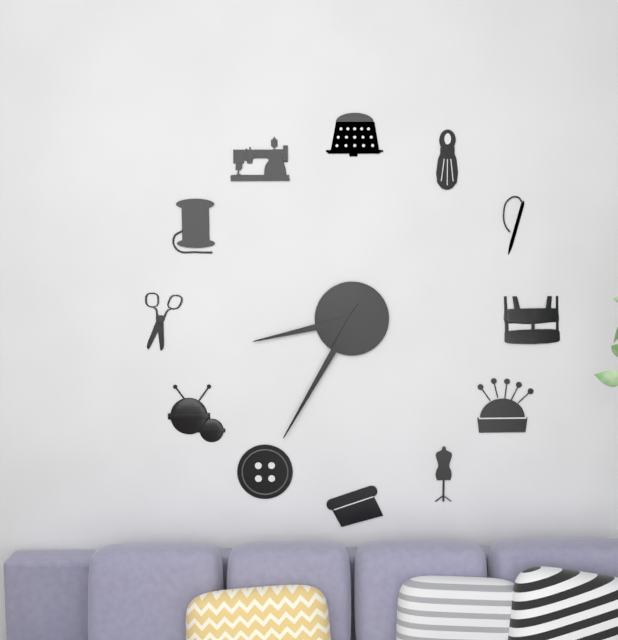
8h35
